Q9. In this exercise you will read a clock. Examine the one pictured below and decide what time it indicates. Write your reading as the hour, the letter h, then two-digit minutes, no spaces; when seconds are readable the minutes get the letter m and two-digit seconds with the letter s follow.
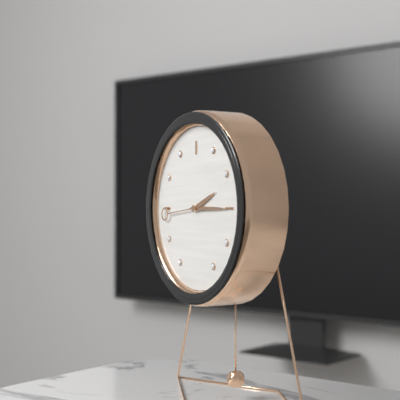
2h15
